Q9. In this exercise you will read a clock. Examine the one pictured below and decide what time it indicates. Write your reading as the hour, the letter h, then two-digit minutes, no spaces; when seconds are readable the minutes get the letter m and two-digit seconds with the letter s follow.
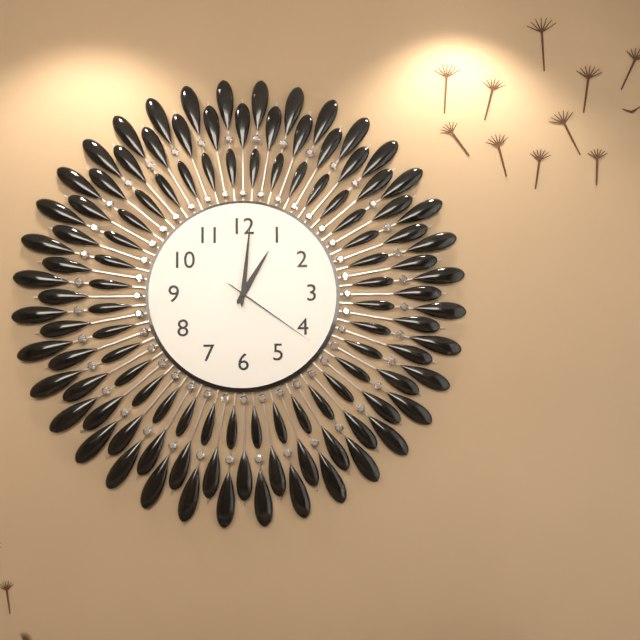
1h01m21s
